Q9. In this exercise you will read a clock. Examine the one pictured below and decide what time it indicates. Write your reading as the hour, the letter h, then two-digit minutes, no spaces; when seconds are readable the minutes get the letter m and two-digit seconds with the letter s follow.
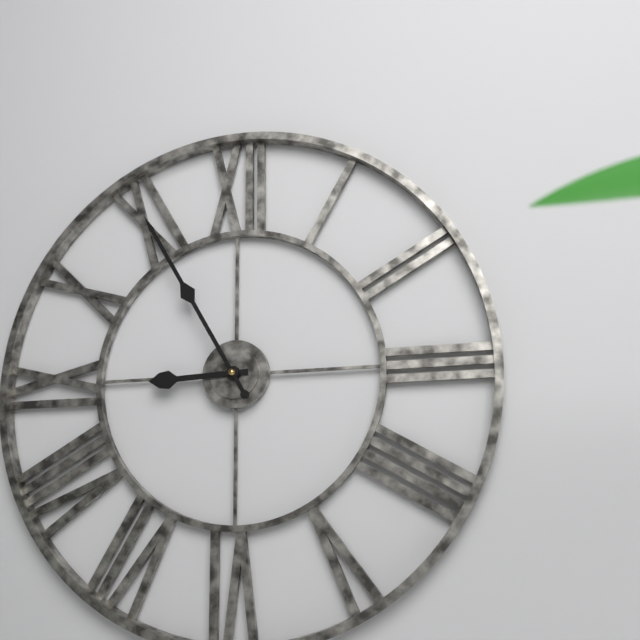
8h55
